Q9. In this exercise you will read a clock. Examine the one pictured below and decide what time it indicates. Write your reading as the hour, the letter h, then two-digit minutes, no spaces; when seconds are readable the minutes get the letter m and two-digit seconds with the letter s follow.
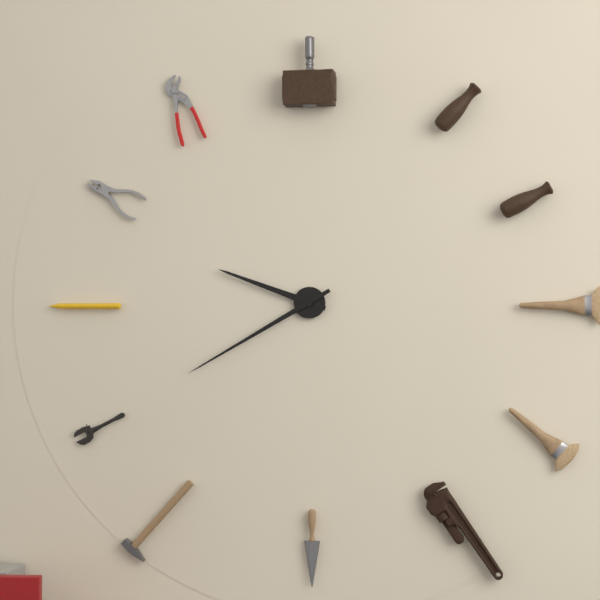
9h40
